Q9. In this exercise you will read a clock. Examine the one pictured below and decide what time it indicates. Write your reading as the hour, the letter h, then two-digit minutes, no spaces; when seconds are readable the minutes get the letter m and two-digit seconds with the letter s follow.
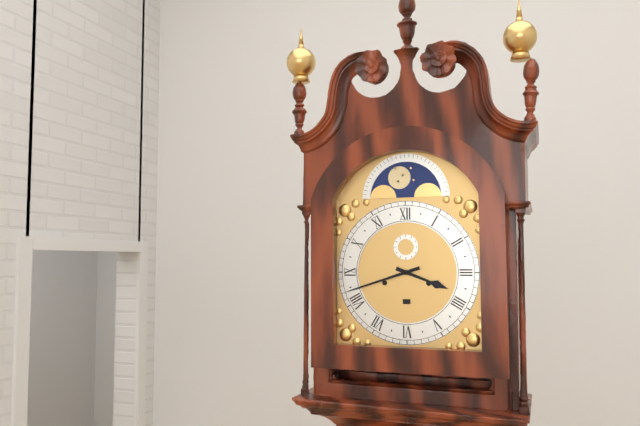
3h42
